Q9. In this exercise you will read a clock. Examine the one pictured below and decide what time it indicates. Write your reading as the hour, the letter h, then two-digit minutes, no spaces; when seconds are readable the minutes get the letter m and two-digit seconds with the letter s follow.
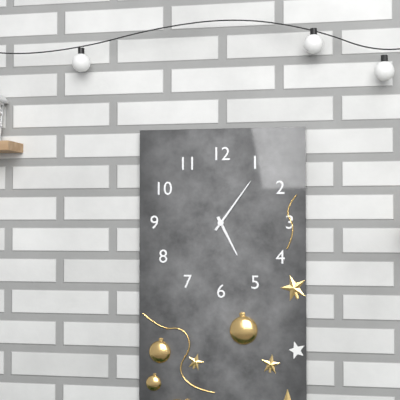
5h06
